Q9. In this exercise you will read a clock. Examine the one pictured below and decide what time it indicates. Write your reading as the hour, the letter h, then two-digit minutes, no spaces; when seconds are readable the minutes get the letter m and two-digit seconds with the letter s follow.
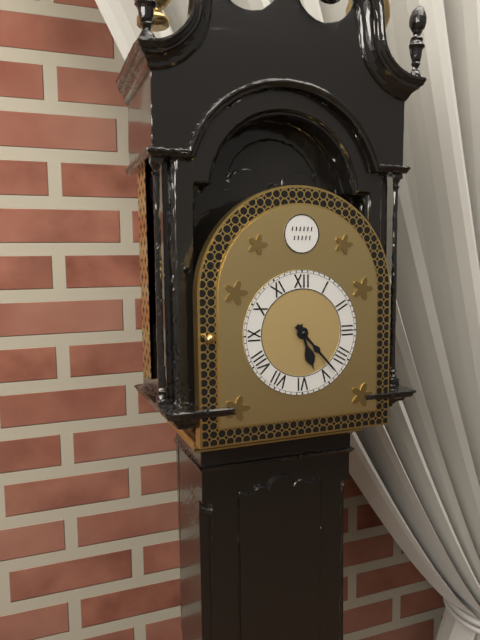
5h23
